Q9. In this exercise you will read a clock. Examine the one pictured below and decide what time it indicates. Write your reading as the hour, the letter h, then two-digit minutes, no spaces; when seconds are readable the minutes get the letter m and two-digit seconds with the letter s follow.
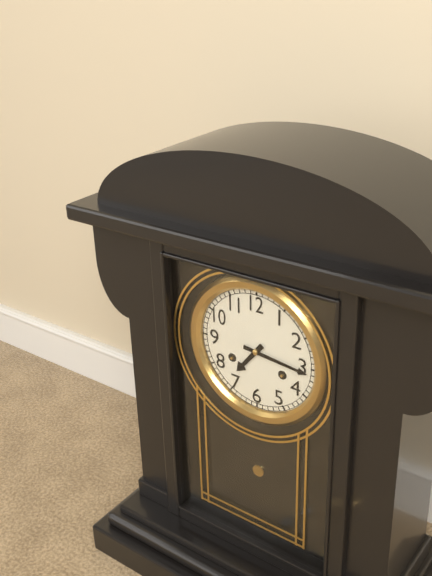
7h16
